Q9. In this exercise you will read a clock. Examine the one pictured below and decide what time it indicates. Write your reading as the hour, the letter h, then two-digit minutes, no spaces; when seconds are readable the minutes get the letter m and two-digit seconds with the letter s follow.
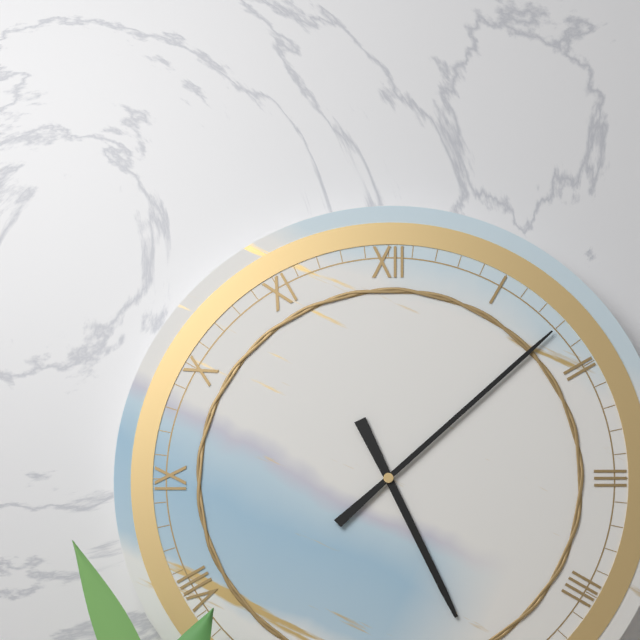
5h08
